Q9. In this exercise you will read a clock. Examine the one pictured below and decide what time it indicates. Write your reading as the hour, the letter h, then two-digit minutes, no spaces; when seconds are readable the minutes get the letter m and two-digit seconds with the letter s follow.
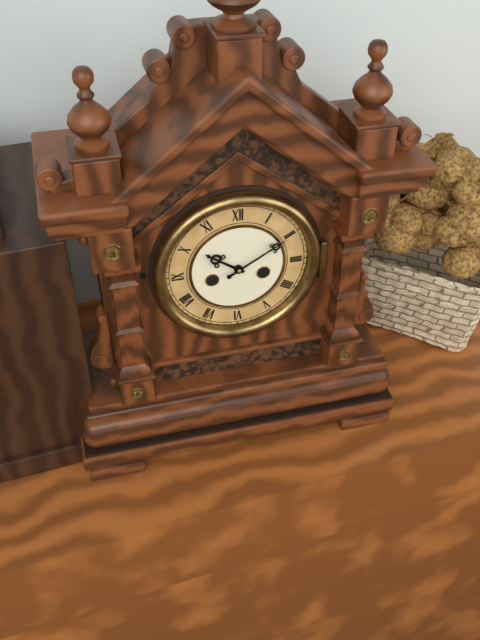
10h10
